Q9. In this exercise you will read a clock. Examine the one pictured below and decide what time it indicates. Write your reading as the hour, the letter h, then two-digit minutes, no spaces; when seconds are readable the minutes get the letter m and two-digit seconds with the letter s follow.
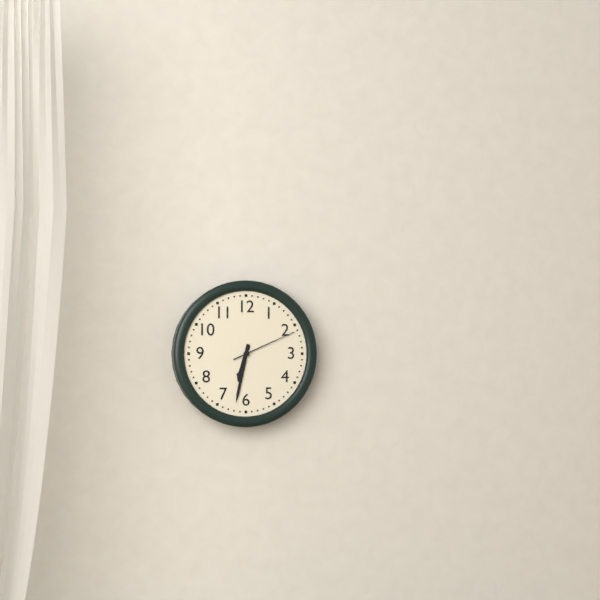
6h32m11s
